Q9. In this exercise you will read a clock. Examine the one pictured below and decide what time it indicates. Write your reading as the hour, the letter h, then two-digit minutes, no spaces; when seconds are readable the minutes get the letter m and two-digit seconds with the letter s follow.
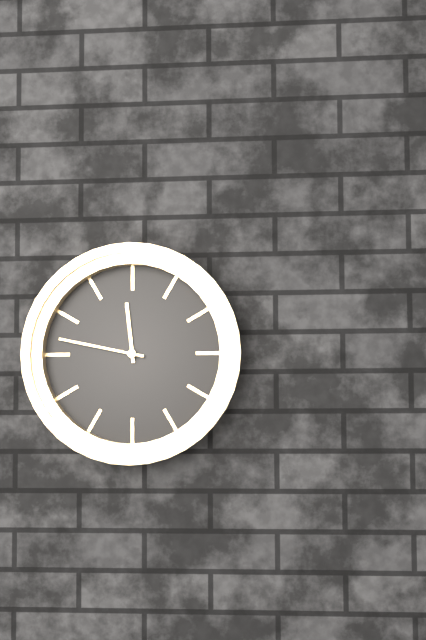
11h47
